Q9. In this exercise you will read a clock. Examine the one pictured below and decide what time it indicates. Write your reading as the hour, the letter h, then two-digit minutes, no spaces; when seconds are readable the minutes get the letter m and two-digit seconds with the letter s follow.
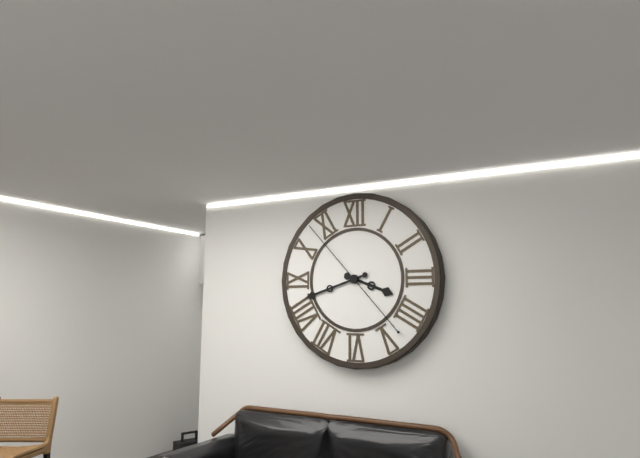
3h42m53s
